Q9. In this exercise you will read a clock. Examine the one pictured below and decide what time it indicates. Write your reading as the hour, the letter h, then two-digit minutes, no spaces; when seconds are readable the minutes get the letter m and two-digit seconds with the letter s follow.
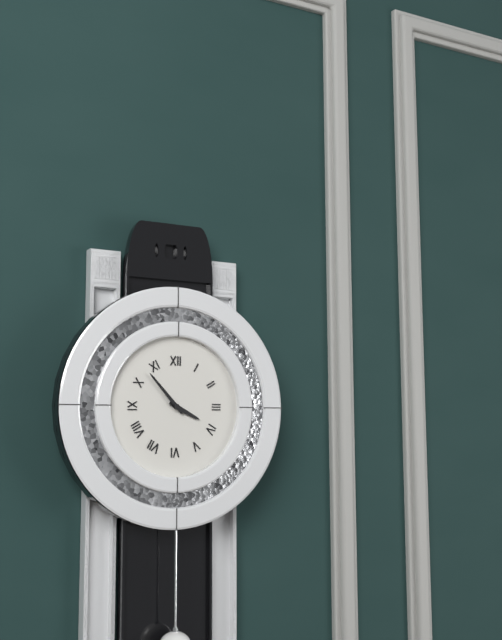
3h53
